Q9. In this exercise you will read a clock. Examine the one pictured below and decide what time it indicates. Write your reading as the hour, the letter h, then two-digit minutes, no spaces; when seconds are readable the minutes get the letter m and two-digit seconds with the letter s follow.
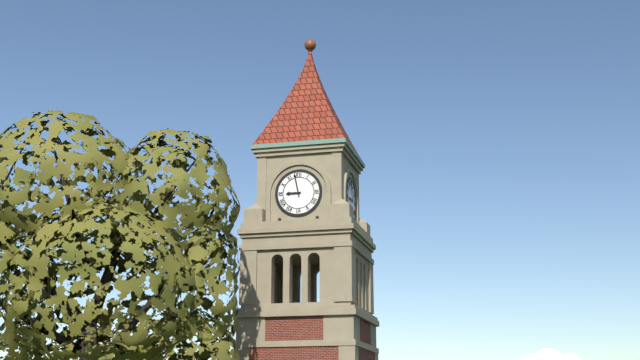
8h58
